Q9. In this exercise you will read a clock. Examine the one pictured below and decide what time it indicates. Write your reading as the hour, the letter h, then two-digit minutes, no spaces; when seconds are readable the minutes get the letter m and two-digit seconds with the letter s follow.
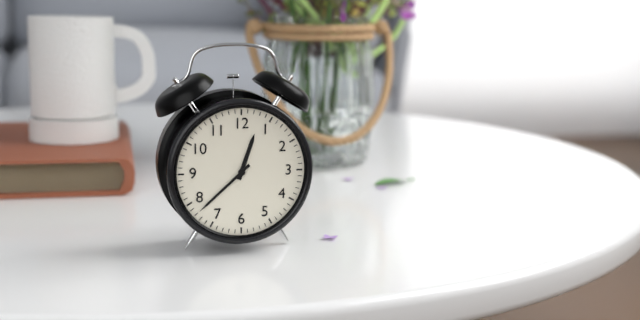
12h38
